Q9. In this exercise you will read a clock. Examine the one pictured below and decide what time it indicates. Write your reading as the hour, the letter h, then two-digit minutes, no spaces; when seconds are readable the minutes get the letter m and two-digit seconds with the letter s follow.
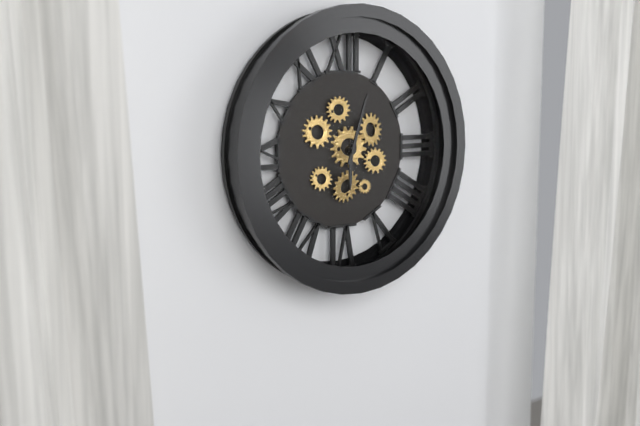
6h03
